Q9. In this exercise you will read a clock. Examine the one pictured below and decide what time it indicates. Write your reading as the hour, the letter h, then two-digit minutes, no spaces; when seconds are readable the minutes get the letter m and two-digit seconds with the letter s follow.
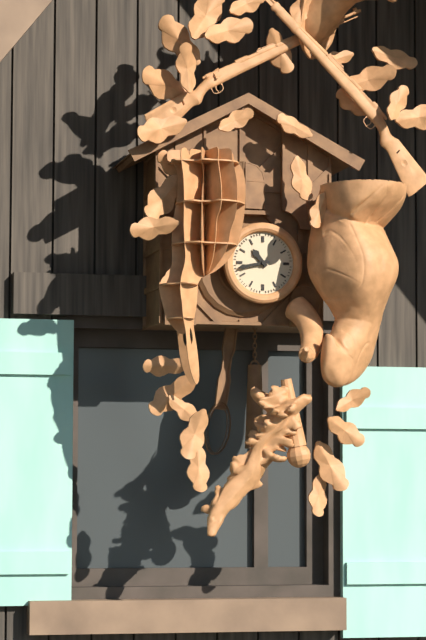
10h43
